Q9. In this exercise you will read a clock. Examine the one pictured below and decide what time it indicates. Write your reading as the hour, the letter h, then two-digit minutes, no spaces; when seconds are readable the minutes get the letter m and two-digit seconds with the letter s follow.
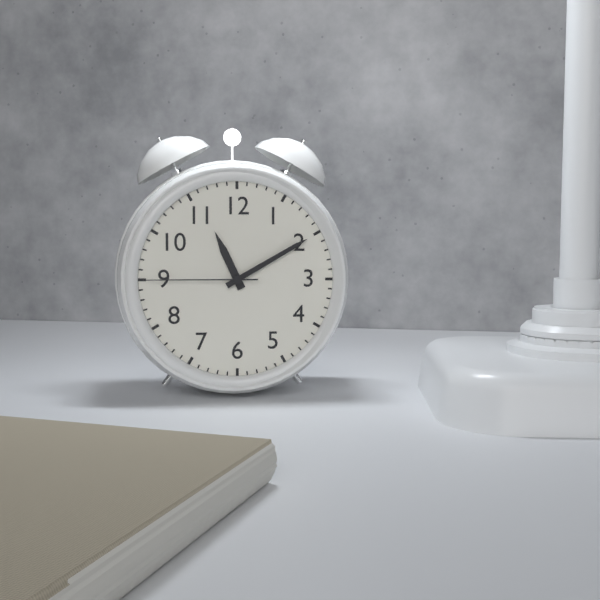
11h10m45s
